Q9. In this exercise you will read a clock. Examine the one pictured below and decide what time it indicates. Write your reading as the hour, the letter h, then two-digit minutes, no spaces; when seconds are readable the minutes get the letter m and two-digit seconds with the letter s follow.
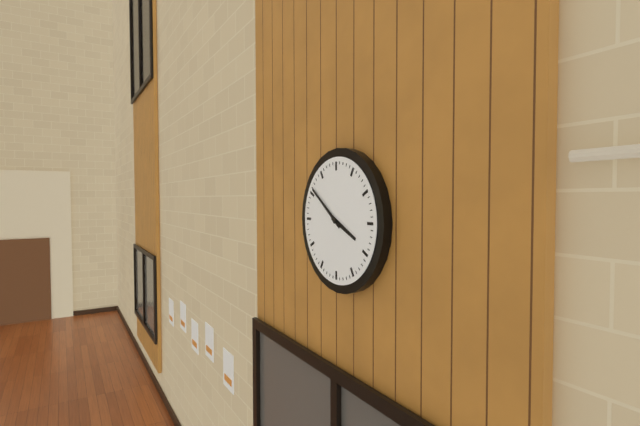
3h51
